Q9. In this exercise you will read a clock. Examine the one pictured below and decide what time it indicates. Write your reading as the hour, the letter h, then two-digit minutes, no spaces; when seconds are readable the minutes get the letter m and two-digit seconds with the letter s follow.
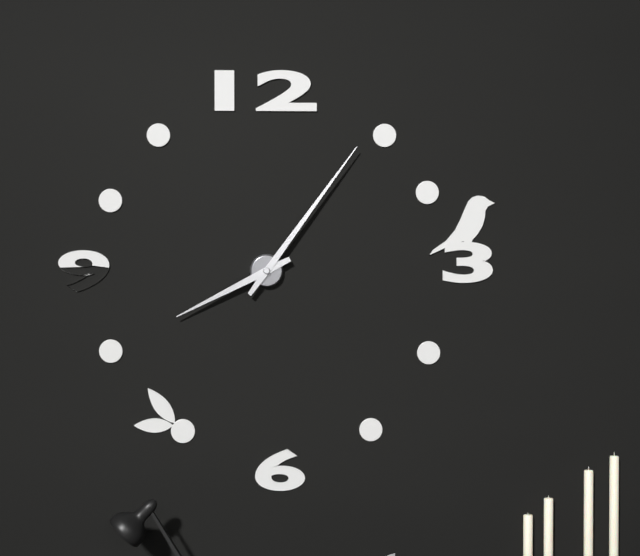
8h06
